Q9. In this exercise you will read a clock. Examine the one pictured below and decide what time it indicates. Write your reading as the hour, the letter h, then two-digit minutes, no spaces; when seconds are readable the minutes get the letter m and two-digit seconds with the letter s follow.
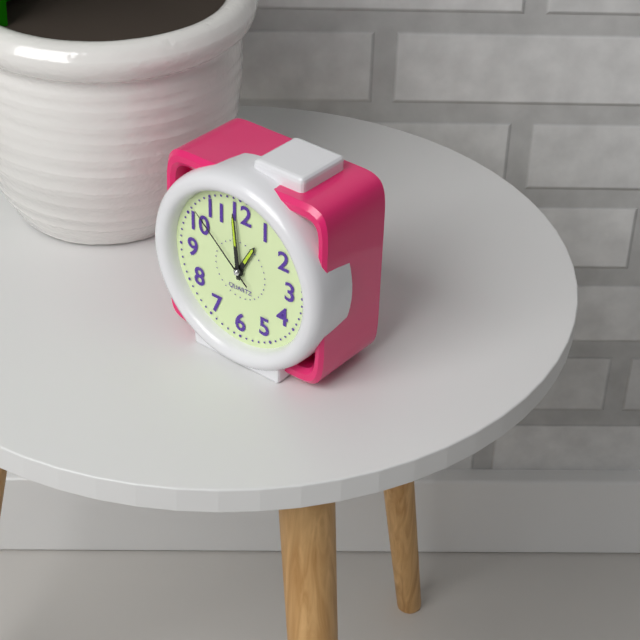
12h59m52s
